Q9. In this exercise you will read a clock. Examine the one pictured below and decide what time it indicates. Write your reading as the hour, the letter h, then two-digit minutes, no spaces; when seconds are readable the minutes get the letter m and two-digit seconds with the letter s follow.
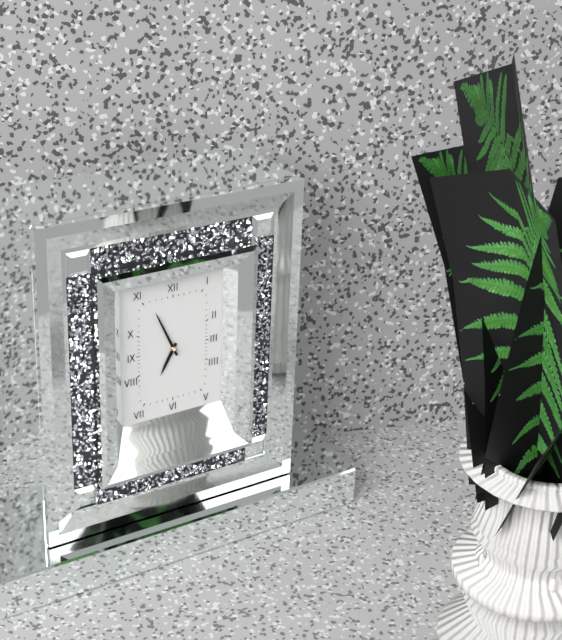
6h56
